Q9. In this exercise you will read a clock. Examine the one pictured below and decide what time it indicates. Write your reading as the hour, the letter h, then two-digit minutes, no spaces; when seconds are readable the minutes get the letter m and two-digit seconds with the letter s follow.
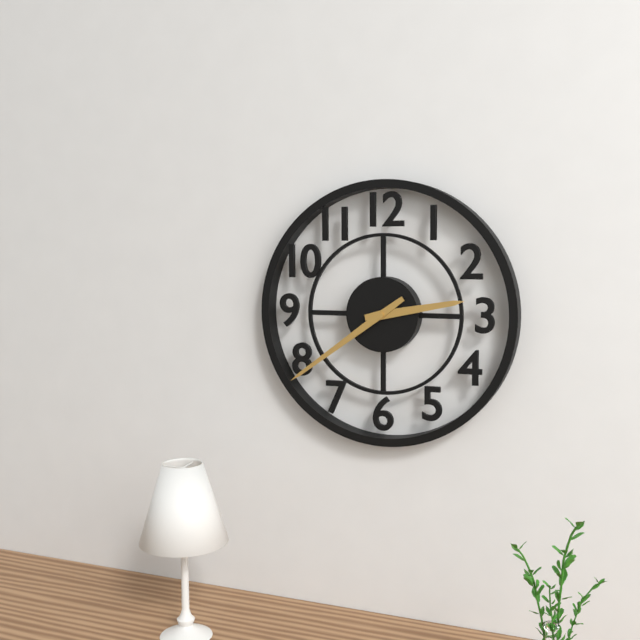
2h39
